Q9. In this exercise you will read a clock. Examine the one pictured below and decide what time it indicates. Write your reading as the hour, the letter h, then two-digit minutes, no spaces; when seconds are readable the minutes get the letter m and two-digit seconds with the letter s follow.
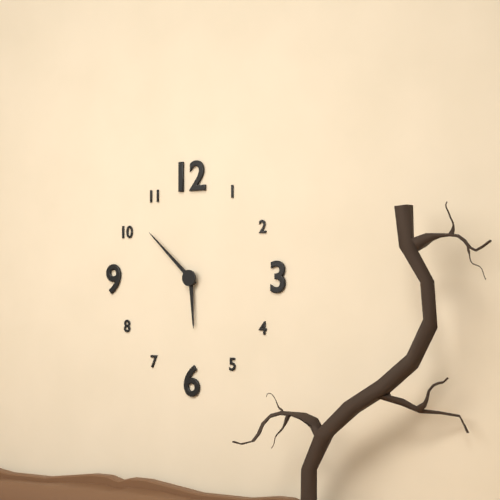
5h52
